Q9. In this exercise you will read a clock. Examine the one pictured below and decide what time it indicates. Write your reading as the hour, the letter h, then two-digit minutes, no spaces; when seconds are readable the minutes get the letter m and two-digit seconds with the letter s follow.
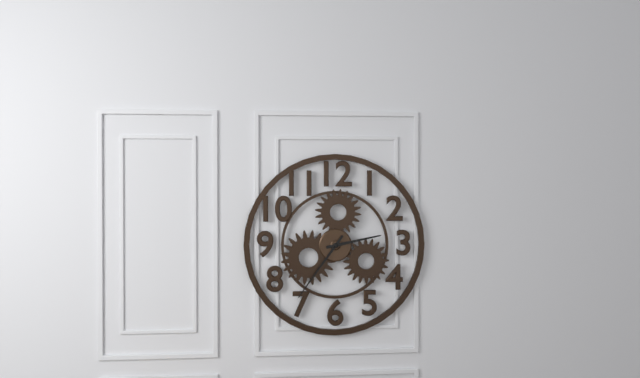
2h36
